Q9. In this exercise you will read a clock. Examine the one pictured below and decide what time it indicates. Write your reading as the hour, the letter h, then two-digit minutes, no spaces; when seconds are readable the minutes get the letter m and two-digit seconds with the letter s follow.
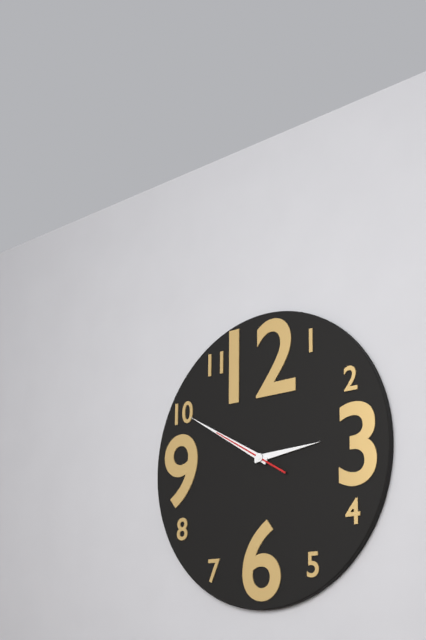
2h50m50s
